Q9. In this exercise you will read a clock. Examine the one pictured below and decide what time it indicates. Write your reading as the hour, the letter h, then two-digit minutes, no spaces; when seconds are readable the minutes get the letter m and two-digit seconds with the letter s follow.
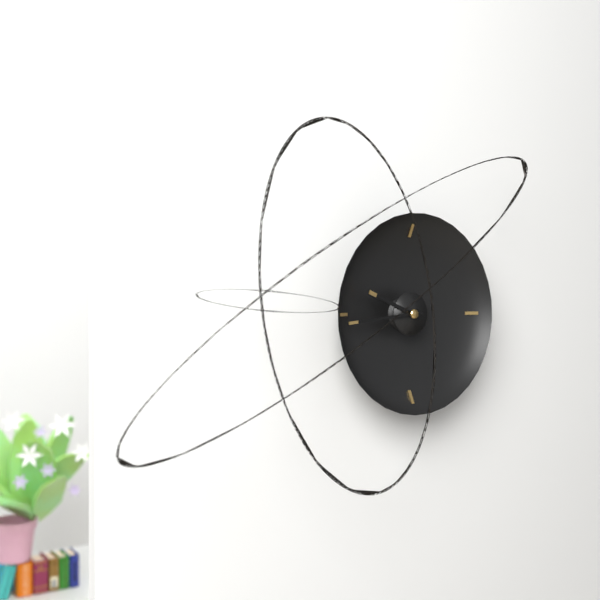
9h44
